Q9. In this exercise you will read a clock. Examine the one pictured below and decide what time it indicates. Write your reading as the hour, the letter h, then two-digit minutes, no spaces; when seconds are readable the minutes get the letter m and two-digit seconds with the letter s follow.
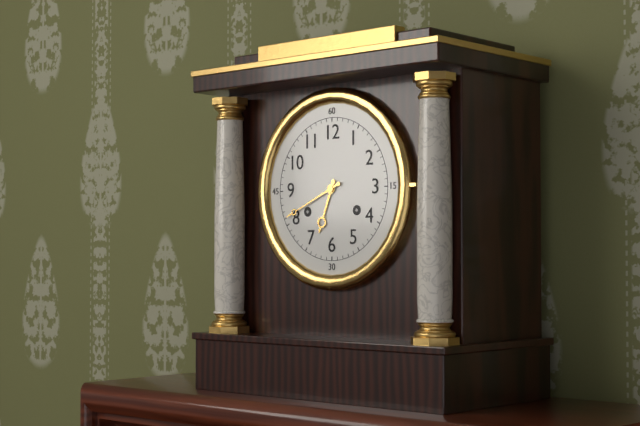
6h41
